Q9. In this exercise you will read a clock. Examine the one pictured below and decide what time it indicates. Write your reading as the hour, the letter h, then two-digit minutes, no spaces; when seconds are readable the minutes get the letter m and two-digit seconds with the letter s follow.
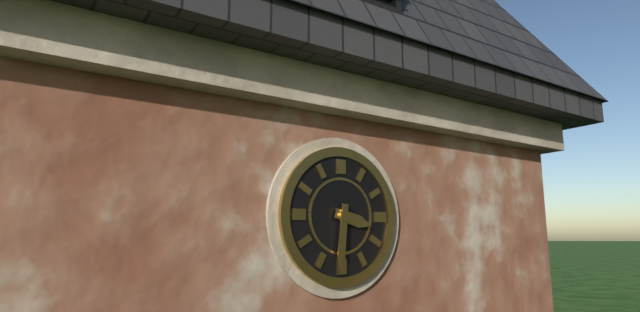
3h31
